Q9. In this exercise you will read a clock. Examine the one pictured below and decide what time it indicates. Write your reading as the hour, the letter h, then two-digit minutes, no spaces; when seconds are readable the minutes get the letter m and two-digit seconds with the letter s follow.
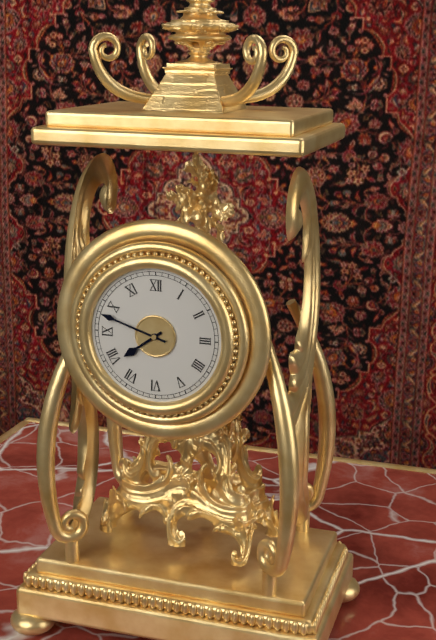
7h48
